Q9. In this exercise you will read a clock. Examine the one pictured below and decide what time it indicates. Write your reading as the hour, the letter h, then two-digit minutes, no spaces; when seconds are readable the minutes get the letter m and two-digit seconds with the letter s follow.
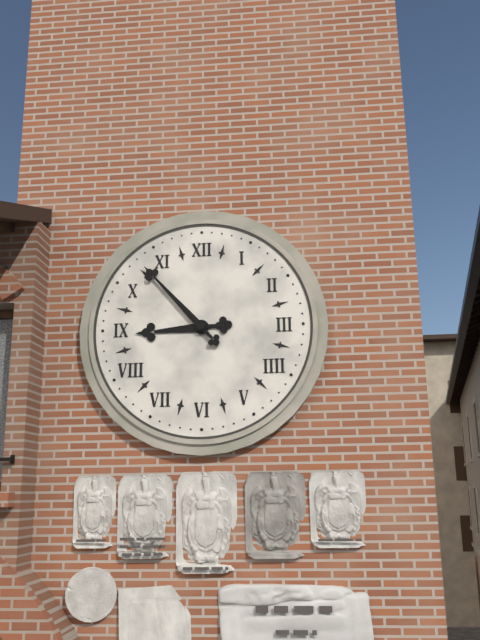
8h53
